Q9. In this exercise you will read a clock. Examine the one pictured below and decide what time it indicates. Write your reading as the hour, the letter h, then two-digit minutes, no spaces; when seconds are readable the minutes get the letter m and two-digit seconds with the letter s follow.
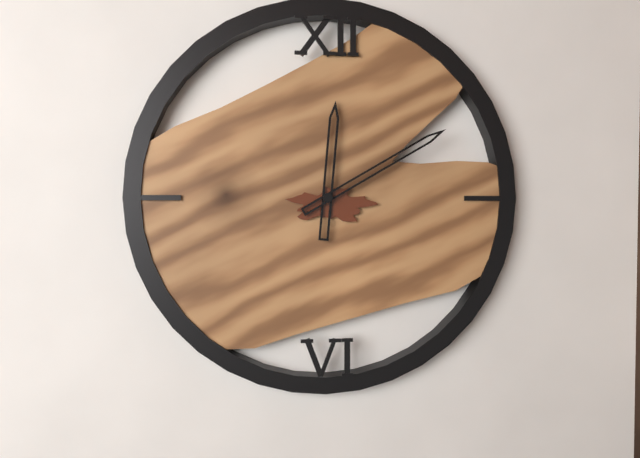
12h10
